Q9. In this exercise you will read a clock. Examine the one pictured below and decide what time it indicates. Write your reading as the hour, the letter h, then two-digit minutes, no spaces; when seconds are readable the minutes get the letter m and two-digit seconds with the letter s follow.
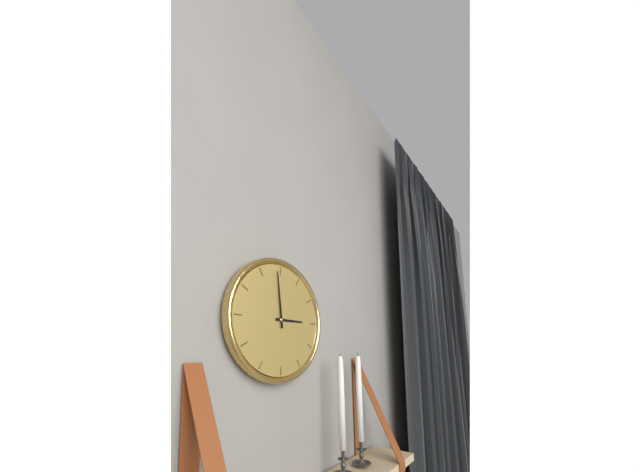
2h59
